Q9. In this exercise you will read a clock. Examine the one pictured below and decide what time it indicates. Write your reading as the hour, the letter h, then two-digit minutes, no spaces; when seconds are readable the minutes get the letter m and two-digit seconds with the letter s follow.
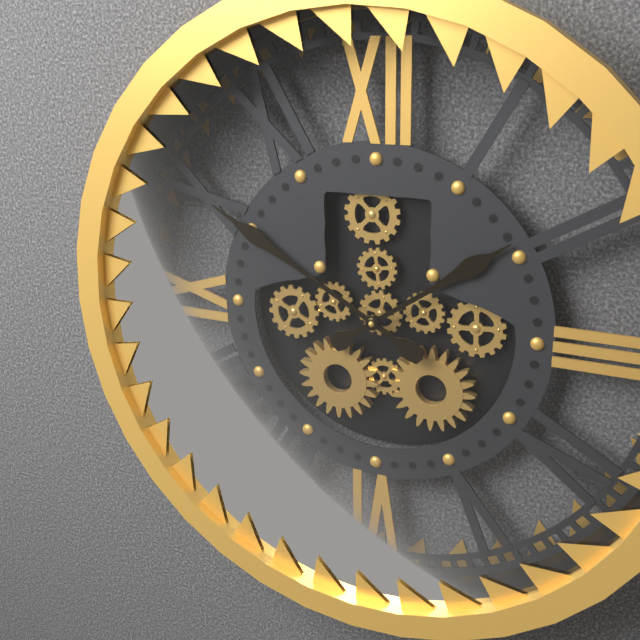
1h50
